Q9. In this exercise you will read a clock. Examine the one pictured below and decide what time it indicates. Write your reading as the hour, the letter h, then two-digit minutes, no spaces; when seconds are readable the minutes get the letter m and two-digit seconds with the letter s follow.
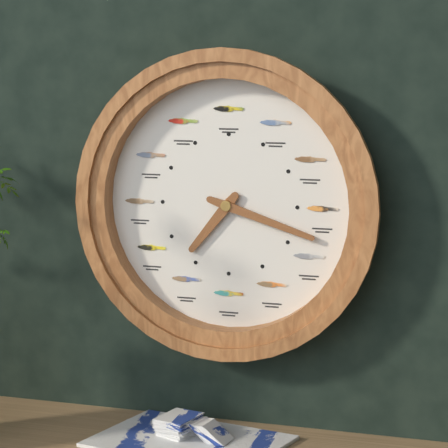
7h18
